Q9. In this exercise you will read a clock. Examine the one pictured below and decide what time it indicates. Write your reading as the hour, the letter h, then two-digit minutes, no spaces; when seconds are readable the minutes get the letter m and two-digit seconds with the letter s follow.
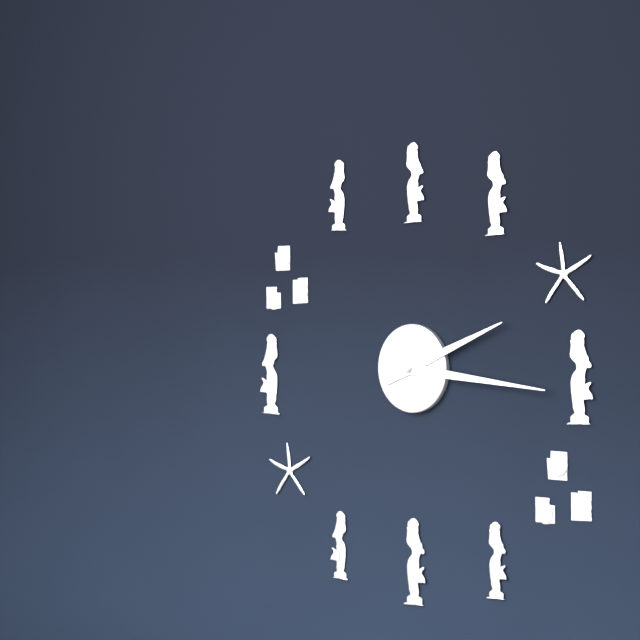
2h16
